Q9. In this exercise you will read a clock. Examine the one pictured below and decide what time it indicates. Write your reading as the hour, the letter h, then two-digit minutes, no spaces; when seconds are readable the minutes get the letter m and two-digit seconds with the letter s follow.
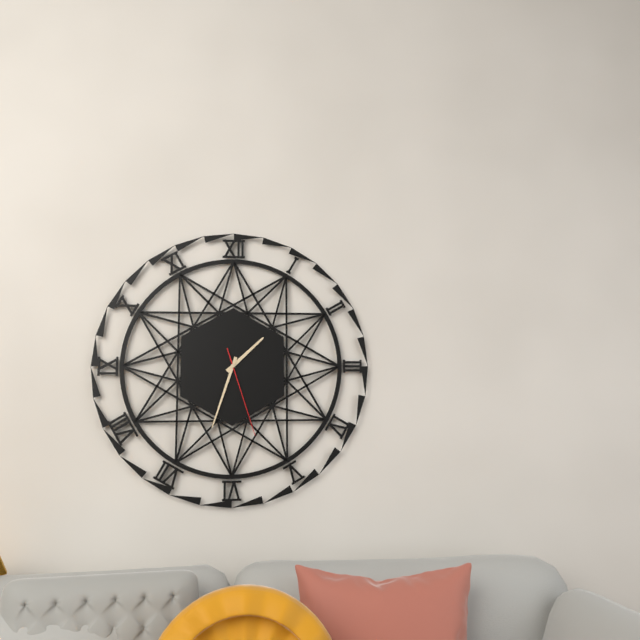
1h33m27s
